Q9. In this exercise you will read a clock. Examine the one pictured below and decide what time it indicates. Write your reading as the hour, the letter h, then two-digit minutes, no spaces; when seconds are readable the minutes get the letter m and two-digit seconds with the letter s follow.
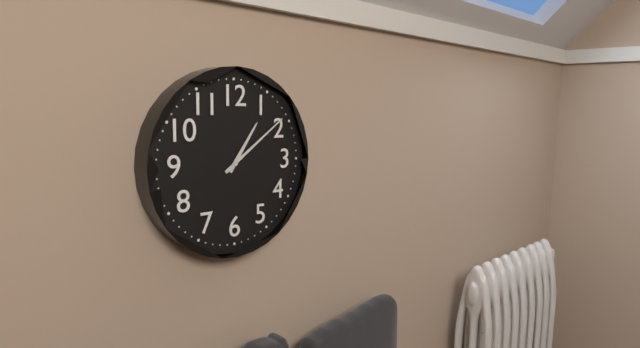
1h09
